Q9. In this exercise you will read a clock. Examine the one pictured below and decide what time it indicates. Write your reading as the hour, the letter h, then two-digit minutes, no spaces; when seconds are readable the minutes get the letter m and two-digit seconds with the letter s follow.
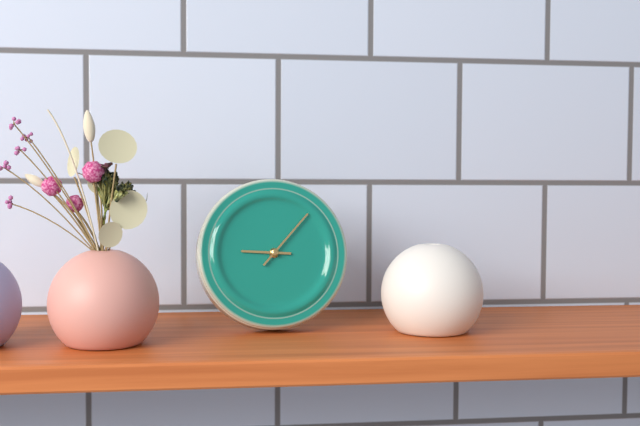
9h07
